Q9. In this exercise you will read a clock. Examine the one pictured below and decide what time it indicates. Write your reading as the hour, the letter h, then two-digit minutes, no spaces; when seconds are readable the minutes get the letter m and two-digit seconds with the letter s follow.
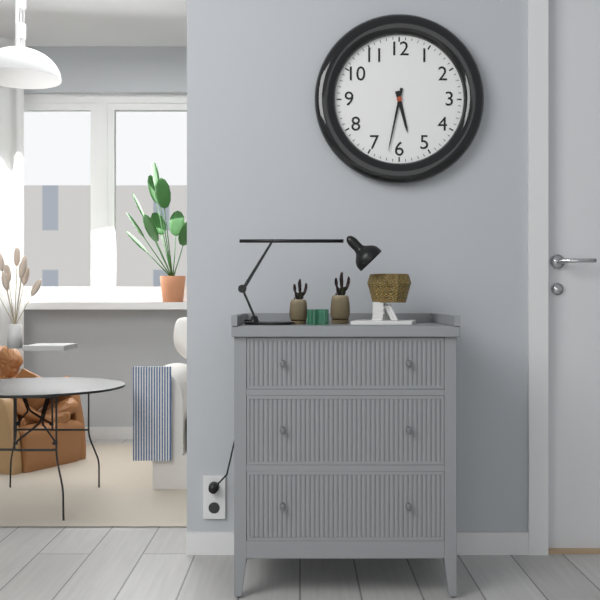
5h32
